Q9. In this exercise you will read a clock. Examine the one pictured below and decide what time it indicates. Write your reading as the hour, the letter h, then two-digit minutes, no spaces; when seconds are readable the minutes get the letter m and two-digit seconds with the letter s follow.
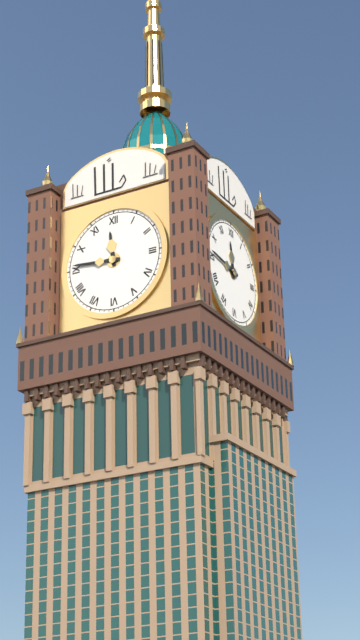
11h46
